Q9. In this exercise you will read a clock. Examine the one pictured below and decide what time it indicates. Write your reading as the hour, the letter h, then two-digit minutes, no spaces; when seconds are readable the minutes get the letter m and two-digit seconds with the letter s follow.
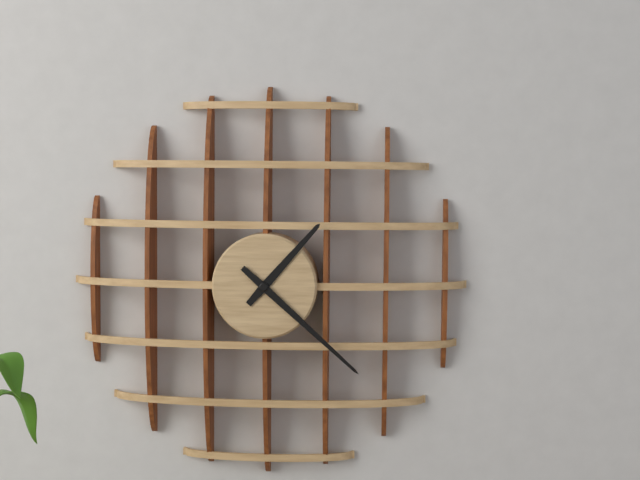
1h22
